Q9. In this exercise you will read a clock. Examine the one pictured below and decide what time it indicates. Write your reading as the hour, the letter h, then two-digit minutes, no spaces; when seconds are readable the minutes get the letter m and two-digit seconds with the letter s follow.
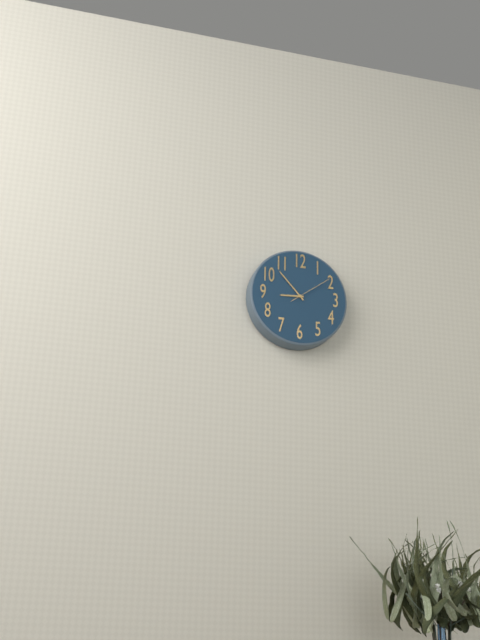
8h53
